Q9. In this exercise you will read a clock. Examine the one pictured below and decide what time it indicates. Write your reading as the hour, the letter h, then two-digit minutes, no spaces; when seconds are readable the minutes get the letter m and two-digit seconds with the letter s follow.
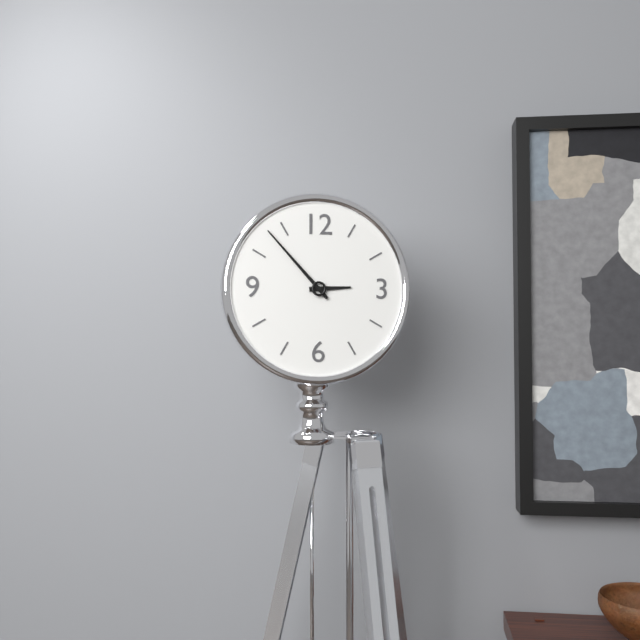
2h53
